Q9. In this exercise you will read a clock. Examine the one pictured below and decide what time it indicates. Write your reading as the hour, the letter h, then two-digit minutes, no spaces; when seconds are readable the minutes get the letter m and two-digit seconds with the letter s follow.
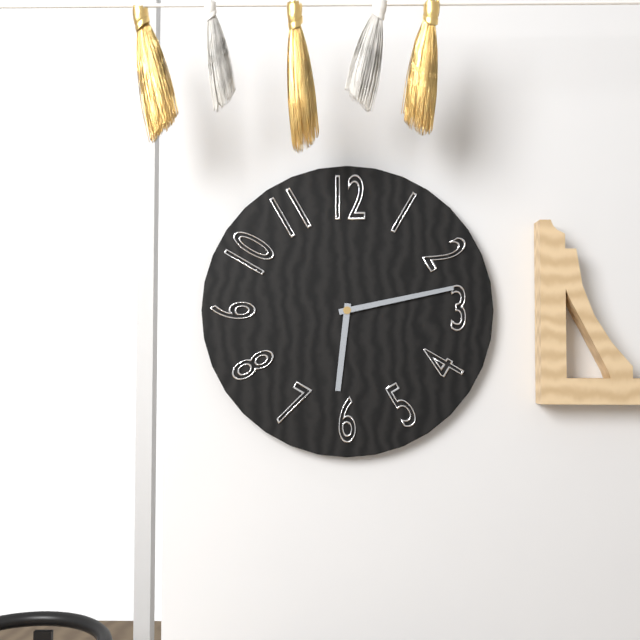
6h13
